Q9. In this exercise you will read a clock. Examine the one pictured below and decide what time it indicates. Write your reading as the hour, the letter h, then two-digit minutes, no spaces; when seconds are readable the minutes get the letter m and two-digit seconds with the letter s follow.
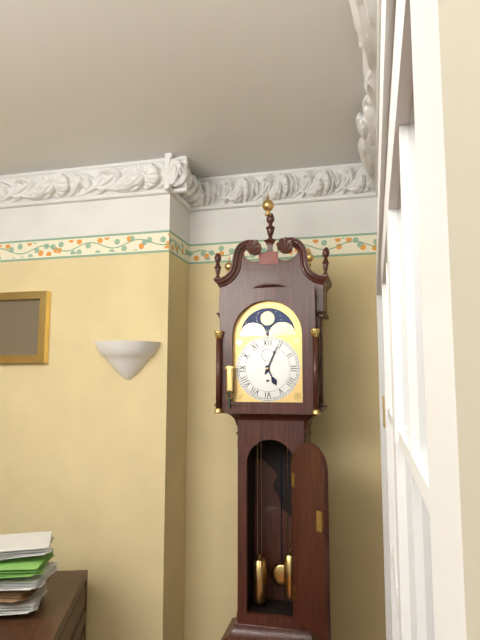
5h04
